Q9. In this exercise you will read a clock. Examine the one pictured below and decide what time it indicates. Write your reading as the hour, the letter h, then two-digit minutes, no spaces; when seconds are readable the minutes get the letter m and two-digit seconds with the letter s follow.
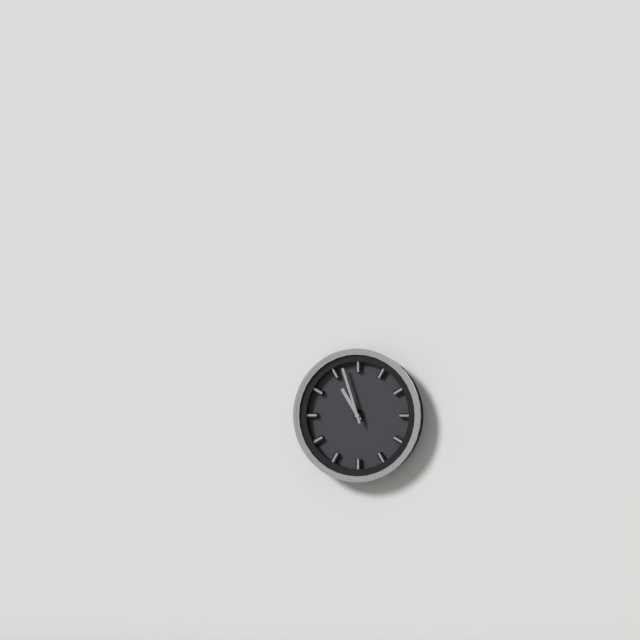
10h57
